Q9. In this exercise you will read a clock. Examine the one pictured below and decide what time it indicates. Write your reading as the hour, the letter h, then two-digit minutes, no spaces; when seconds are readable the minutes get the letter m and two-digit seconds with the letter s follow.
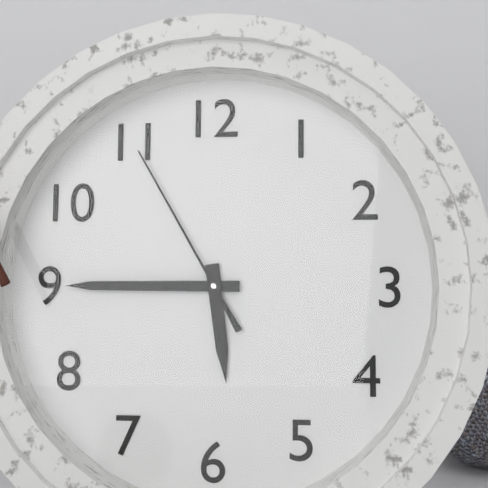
5h45m55s
